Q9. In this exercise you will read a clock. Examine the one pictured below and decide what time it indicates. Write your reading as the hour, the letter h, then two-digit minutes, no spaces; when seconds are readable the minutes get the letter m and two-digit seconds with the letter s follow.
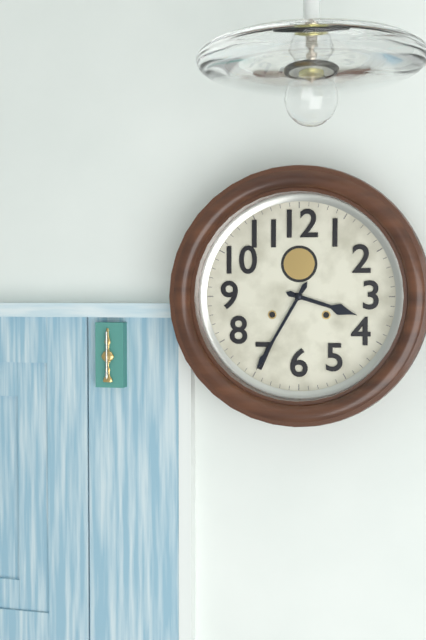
3h35
